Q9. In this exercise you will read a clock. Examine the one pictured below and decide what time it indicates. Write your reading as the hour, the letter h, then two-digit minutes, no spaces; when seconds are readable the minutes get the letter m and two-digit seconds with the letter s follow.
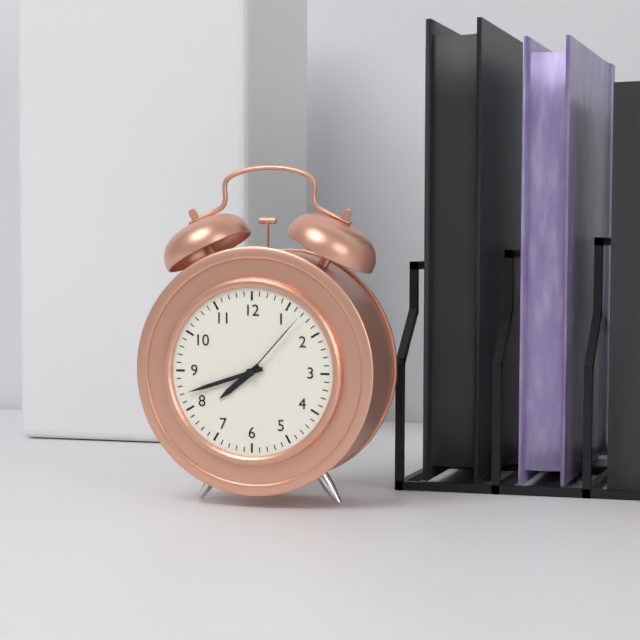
7h42m07s
